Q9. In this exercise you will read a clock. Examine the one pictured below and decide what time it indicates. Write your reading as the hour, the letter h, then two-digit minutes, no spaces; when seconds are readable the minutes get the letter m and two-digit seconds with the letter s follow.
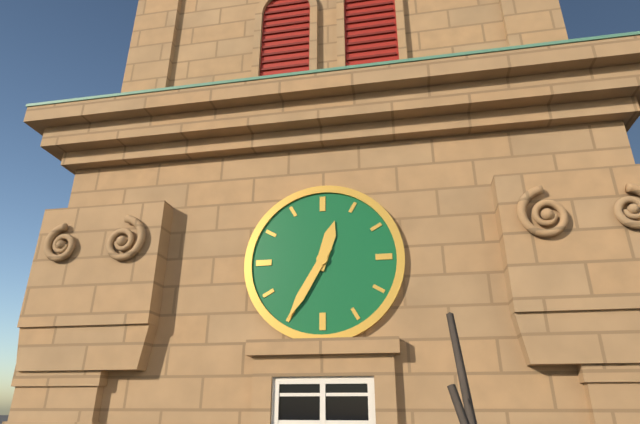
12h35
